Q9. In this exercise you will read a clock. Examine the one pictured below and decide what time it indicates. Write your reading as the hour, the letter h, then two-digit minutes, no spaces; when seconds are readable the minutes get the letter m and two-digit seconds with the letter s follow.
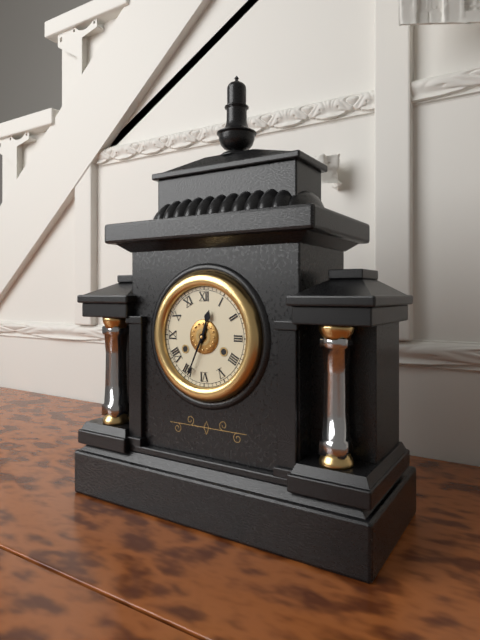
12h34
